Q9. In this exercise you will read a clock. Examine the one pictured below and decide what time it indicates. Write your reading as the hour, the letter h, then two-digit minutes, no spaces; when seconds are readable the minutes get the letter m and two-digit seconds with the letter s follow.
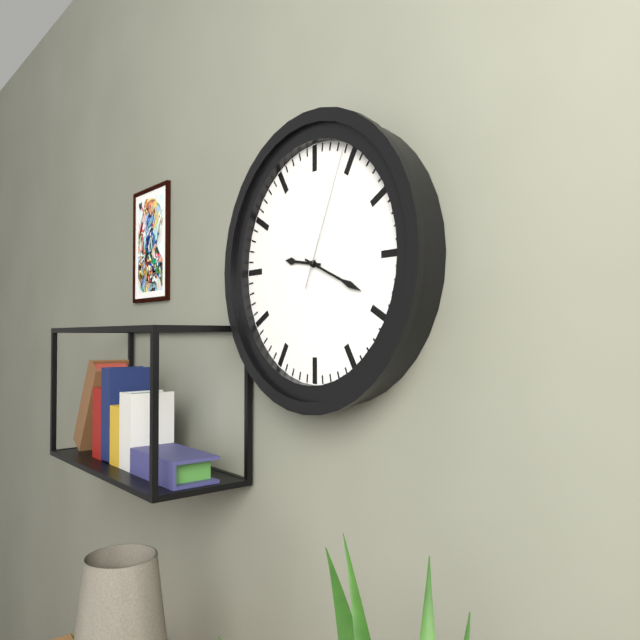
9h19m04s
